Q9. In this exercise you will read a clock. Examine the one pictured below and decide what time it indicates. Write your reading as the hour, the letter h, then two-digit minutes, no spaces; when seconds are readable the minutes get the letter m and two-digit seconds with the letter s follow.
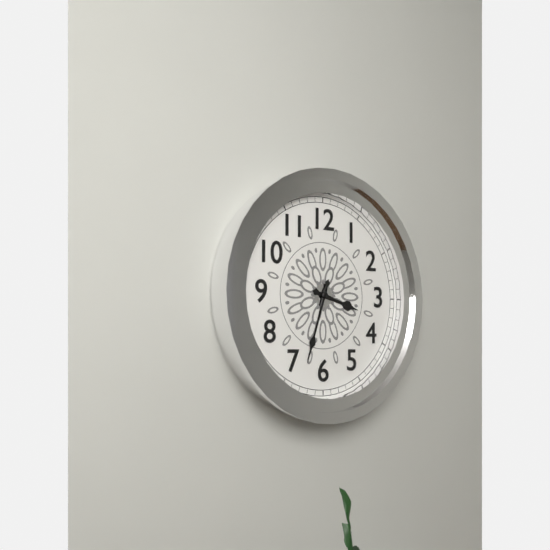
3h33
